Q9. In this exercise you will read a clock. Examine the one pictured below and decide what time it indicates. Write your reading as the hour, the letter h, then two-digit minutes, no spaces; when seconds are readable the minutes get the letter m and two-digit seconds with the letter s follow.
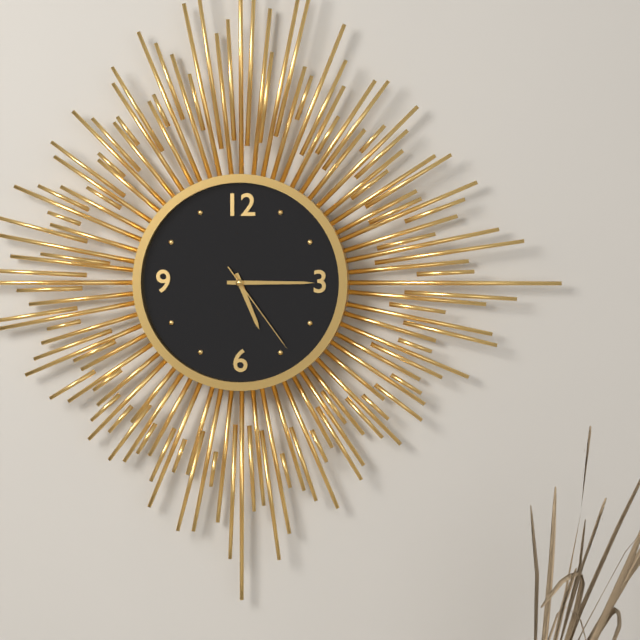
5h15m24s
